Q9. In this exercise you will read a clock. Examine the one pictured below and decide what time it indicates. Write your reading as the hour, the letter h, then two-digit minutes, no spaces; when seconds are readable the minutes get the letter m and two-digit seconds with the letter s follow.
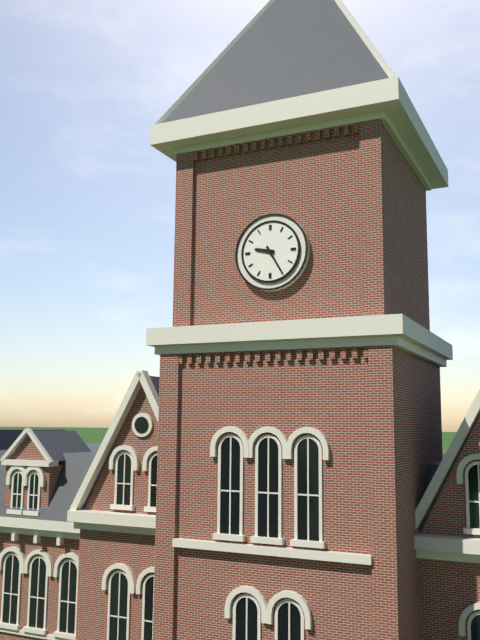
9h25
